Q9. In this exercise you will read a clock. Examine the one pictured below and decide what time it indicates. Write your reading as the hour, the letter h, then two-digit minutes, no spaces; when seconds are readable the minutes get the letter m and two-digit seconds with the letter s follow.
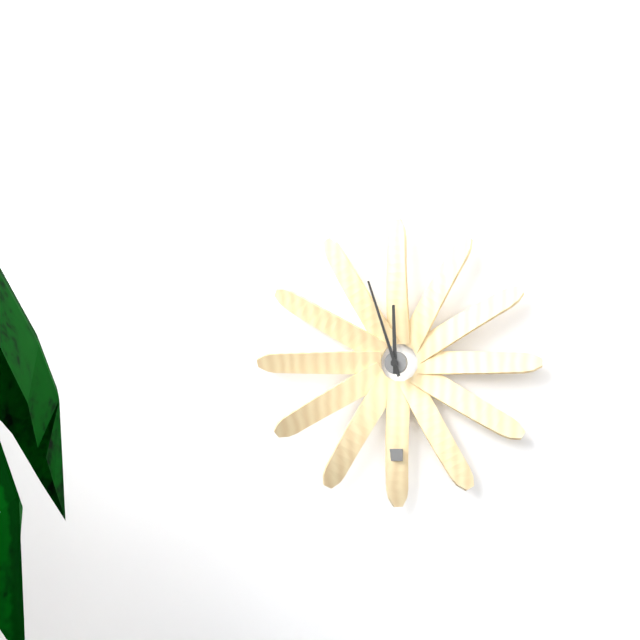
11h57
